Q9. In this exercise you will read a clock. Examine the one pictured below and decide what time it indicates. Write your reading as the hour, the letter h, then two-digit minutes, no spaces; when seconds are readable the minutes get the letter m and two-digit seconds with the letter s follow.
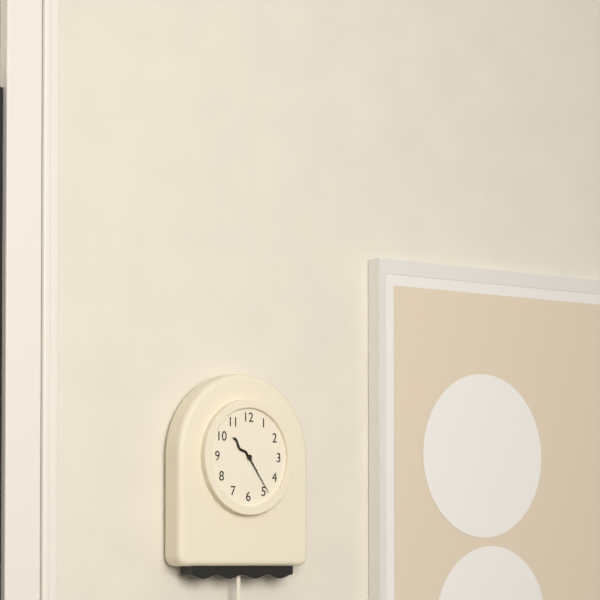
10h24
